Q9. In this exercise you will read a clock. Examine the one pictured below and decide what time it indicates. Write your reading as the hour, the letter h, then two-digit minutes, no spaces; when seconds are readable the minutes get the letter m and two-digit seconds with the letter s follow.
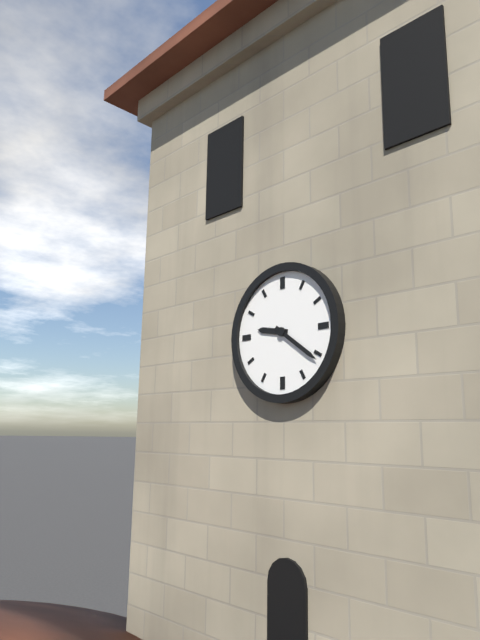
9h21
